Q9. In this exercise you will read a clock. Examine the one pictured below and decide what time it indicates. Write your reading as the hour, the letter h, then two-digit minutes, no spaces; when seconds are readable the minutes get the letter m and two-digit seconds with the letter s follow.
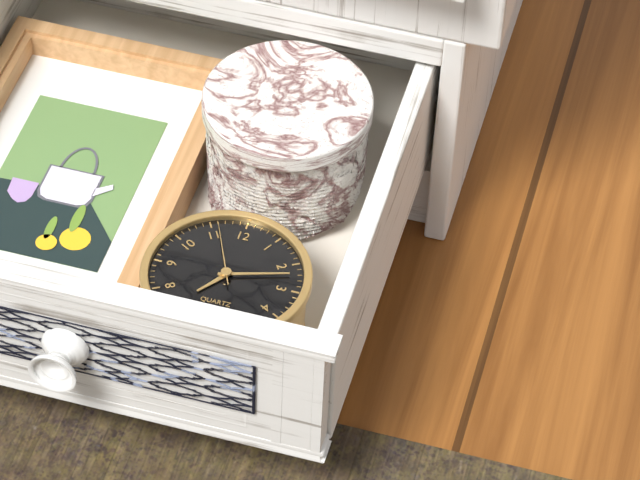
7h12m56s
